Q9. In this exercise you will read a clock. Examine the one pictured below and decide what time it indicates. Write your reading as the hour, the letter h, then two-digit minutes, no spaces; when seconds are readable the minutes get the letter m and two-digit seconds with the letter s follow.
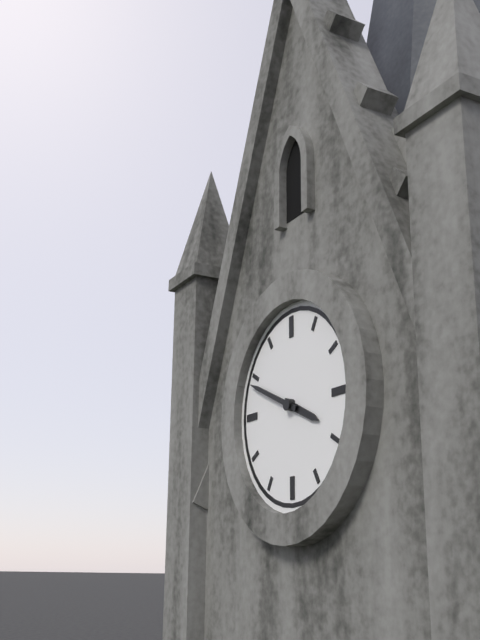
3h49
